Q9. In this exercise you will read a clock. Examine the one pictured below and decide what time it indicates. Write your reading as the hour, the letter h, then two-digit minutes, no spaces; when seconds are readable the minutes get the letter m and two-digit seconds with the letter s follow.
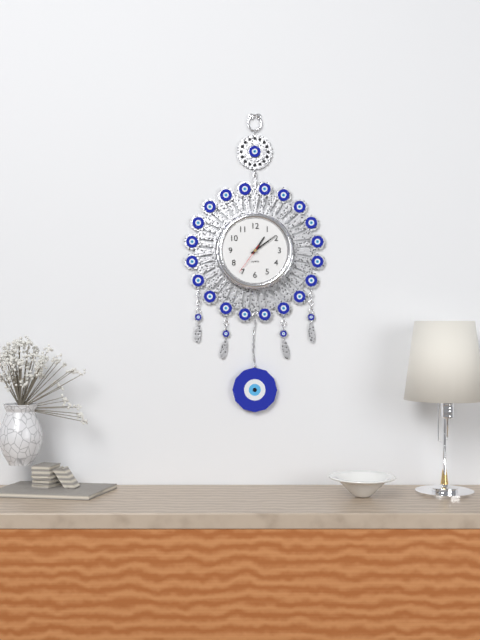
1h09
